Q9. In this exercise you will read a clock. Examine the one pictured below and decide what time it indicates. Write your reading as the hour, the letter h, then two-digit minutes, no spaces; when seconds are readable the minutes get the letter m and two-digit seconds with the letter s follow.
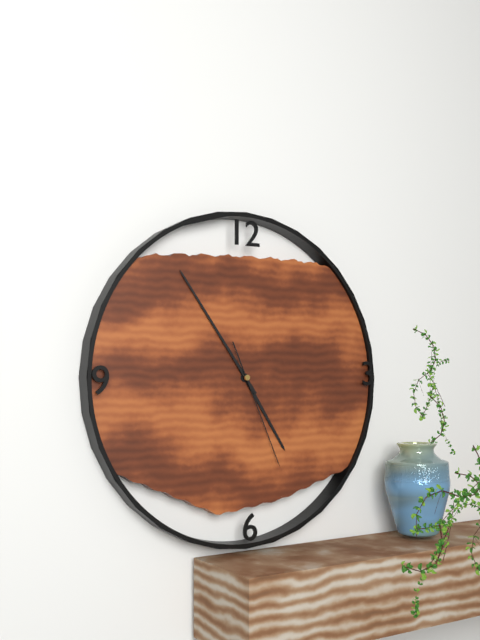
4h54m26s
